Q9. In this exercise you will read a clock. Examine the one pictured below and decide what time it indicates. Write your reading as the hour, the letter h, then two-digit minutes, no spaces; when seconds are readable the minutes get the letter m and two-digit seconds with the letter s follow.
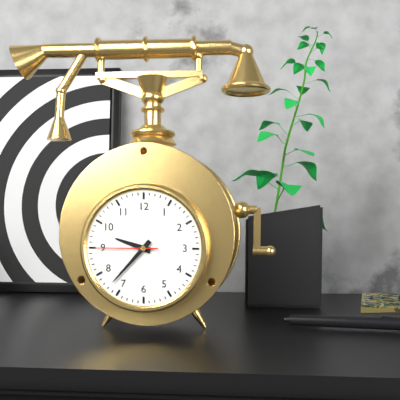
9h37m45s
